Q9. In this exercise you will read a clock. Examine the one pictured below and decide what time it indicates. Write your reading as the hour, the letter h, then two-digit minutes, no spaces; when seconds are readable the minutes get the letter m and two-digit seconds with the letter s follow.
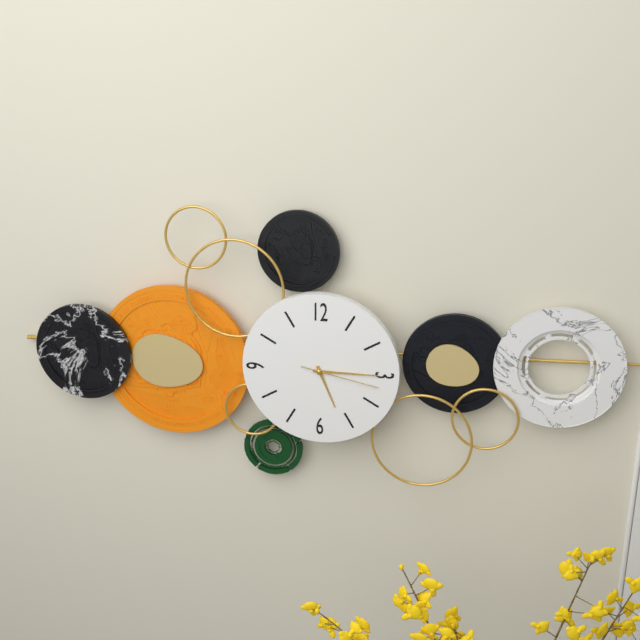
5h15m17s
